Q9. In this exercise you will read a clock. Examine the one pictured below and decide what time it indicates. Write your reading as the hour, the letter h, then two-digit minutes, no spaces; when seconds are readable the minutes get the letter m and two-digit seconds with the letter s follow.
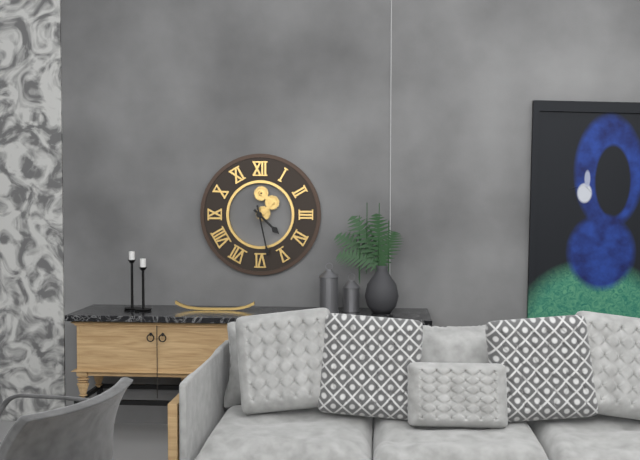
4h28
